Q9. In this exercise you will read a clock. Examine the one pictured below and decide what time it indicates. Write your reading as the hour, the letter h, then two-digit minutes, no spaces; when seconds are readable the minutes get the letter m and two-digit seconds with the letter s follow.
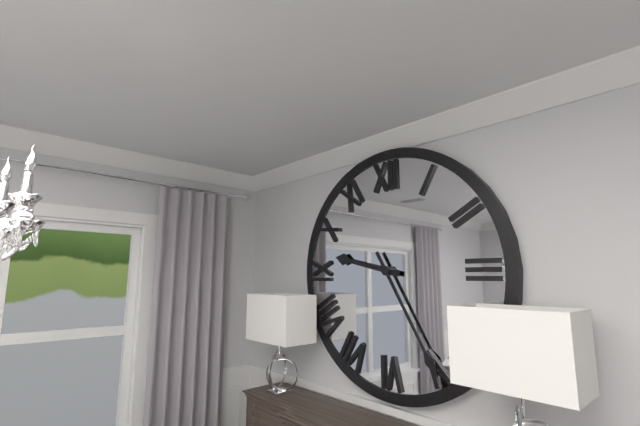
9h25
